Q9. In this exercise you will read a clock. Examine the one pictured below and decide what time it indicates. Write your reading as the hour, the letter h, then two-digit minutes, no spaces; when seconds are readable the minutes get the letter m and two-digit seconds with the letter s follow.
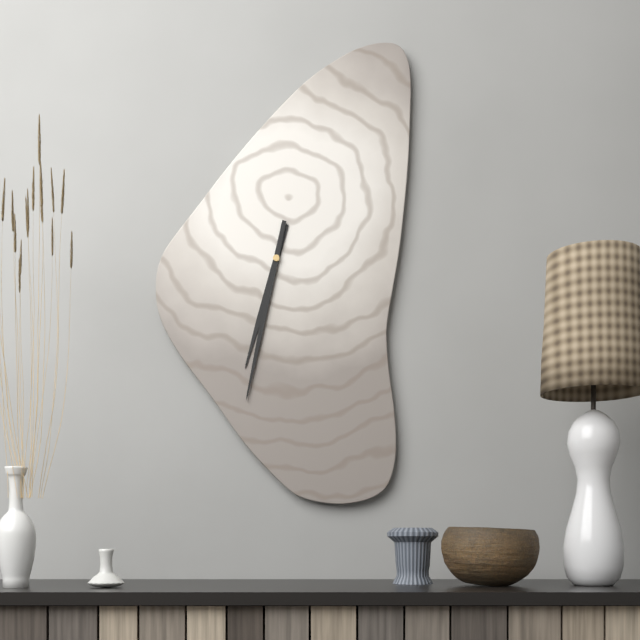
6h32
